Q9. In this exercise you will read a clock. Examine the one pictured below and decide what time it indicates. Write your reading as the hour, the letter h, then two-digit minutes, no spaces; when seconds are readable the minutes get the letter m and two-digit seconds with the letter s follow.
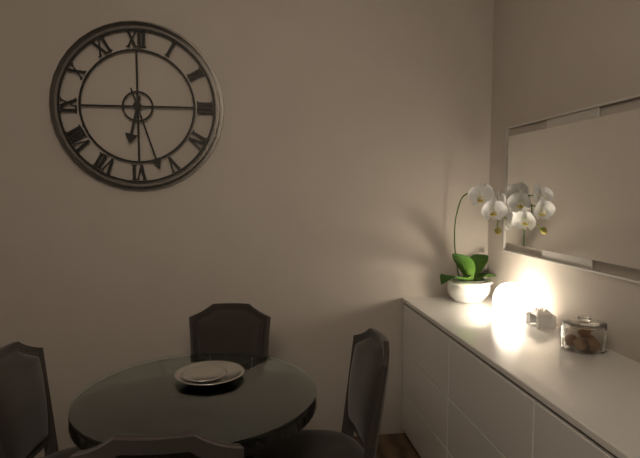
6h27
